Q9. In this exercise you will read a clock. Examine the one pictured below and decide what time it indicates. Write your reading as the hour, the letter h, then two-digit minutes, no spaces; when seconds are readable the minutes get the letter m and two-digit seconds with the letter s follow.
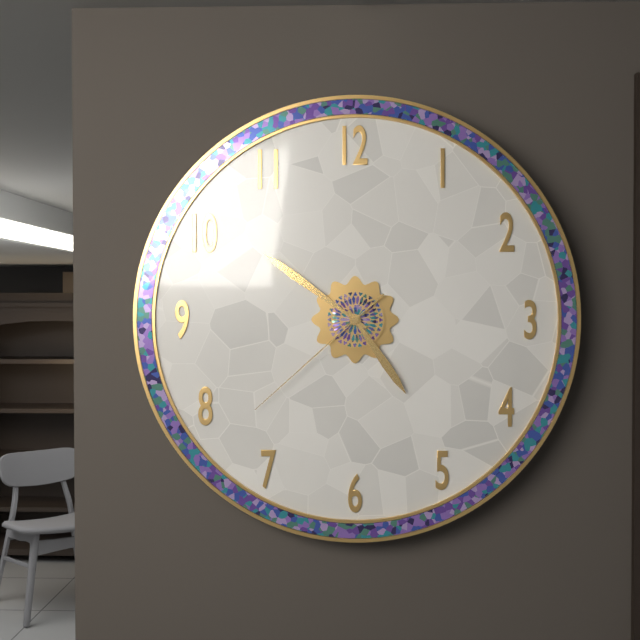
4h51m38s
